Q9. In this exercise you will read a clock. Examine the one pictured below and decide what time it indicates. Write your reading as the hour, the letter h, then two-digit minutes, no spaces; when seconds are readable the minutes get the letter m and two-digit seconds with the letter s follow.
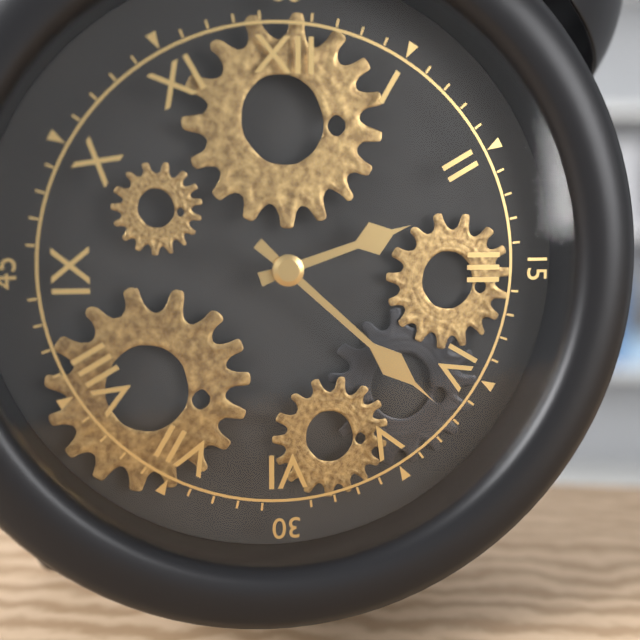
2h22
